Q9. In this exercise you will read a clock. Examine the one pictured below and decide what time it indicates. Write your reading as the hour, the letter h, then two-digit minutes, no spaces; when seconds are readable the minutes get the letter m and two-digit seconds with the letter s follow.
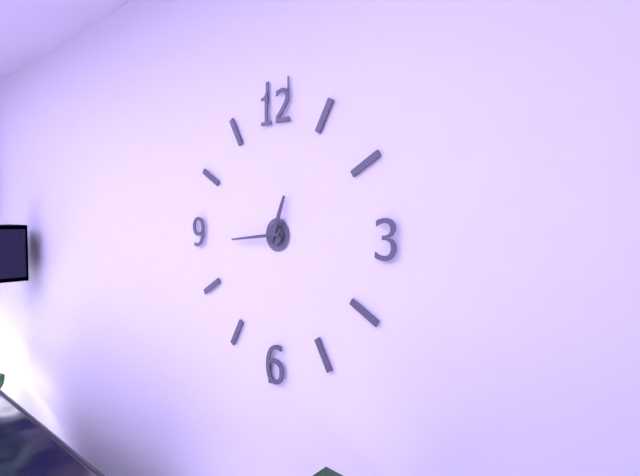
12h44
